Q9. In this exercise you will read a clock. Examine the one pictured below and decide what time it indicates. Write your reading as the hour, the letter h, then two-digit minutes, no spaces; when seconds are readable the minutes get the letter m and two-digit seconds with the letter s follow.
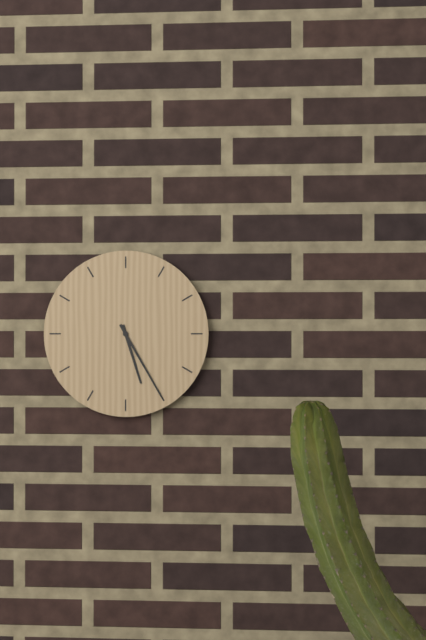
5h25
